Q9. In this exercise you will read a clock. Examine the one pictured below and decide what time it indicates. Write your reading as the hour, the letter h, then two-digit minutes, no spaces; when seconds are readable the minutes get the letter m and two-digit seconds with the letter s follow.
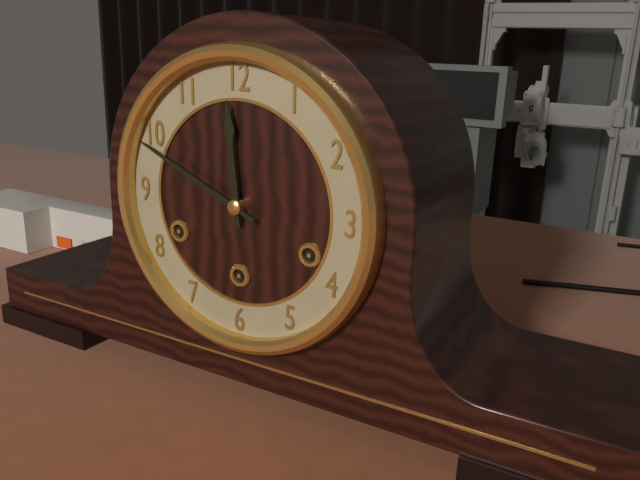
11h49
